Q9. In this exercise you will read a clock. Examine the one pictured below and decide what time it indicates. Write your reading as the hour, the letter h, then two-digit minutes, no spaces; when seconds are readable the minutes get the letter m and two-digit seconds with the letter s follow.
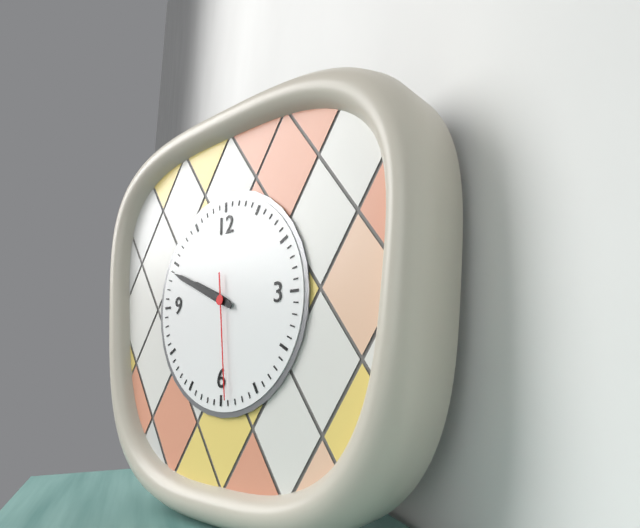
9h49m29s
